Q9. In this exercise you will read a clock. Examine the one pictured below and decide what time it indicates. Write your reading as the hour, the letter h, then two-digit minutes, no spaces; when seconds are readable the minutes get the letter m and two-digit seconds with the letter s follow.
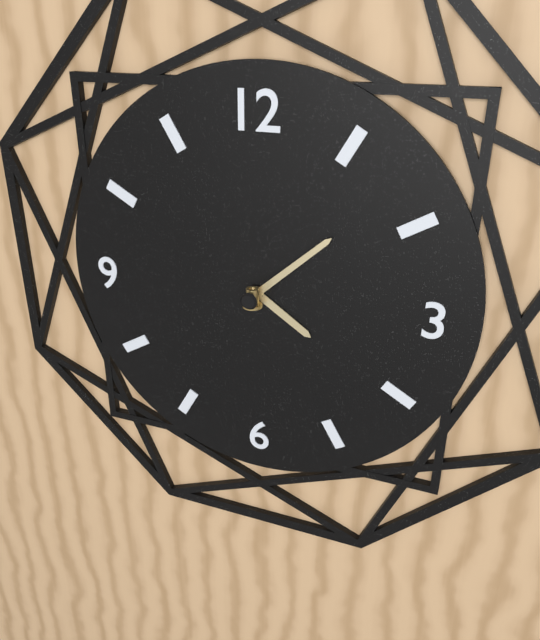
4h08
